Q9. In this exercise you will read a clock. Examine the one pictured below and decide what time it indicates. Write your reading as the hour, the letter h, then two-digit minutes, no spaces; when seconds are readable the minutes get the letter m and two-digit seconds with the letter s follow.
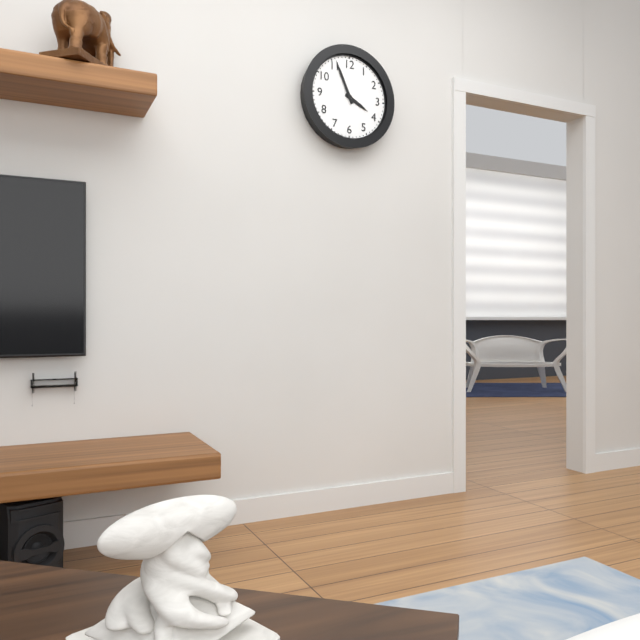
3h56
